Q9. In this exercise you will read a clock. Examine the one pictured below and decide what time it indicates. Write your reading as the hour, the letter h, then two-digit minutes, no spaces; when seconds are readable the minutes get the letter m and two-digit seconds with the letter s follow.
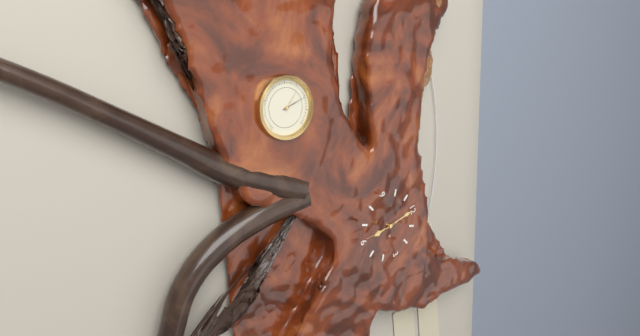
6h00
